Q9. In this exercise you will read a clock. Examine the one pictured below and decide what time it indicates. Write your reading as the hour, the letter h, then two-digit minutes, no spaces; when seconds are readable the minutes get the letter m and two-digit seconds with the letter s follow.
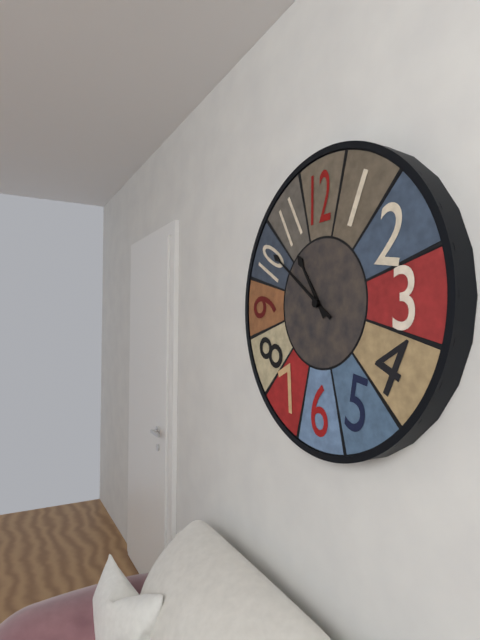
10h51
